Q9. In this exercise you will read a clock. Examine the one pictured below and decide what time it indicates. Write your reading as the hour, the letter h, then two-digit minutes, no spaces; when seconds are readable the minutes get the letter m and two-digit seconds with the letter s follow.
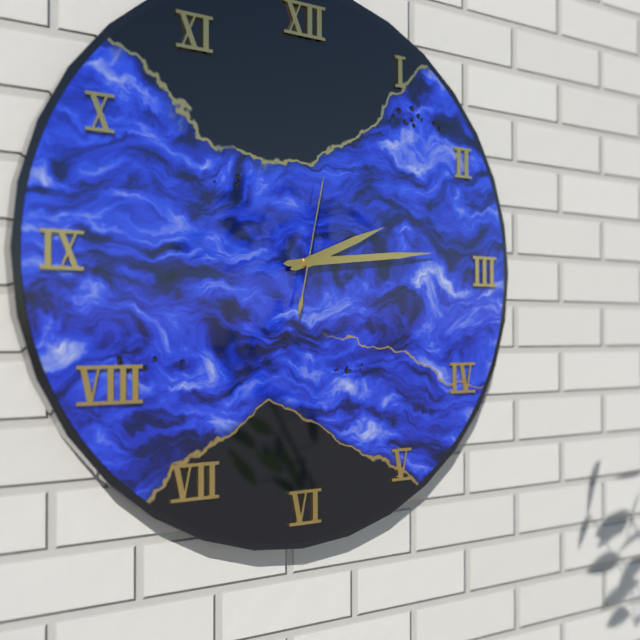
2h14m02s
